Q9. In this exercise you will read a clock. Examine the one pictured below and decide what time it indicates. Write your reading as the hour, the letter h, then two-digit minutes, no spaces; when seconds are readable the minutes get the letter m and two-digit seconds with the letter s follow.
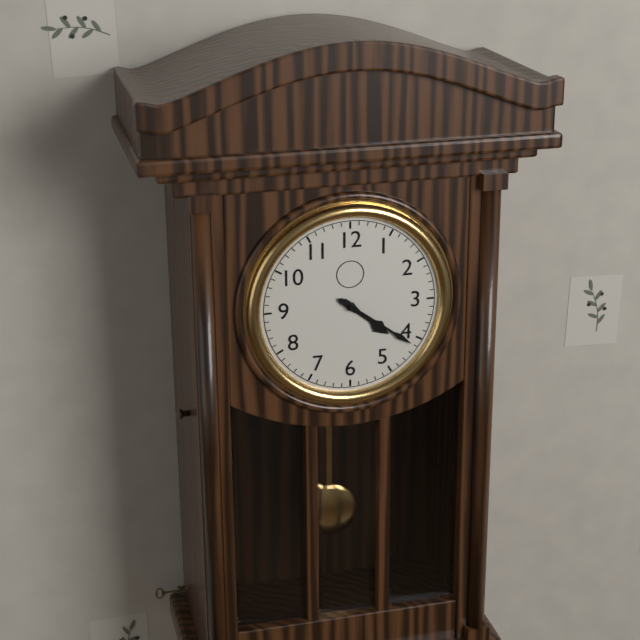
4h21
